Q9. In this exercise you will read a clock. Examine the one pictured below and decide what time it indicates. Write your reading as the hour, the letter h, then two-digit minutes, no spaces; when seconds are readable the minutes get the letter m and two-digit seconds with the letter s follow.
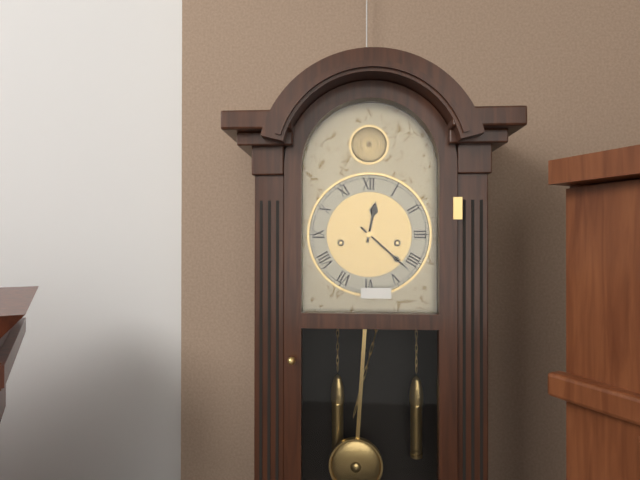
12h22
